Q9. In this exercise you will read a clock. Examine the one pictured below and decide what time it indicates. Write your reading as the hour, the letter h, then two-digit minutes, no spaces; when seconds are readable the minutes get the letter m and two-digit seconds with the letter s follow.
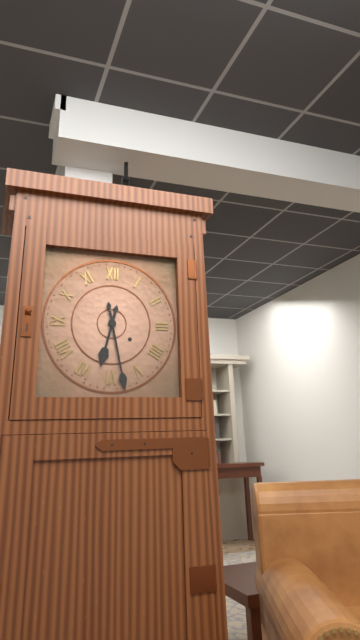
6h28
